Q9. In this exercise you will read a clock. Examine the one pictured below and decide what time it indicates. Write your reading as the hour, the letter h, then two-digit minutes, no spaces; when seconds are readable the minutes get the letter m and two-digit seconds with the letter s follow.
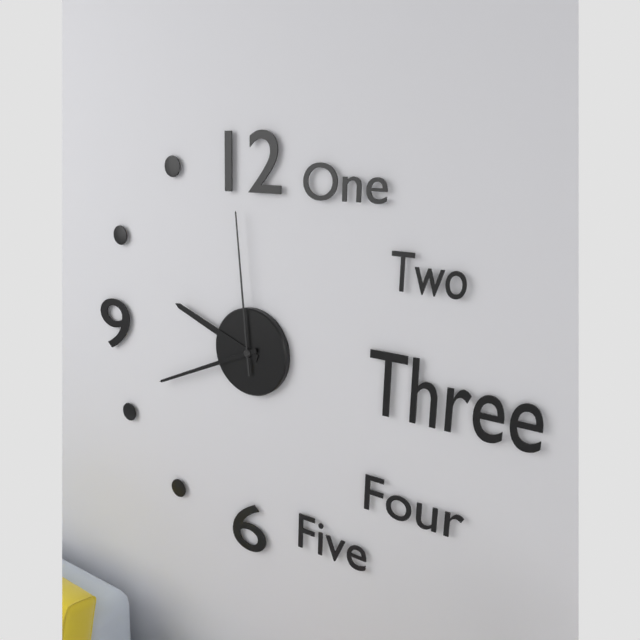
9h41m59s
